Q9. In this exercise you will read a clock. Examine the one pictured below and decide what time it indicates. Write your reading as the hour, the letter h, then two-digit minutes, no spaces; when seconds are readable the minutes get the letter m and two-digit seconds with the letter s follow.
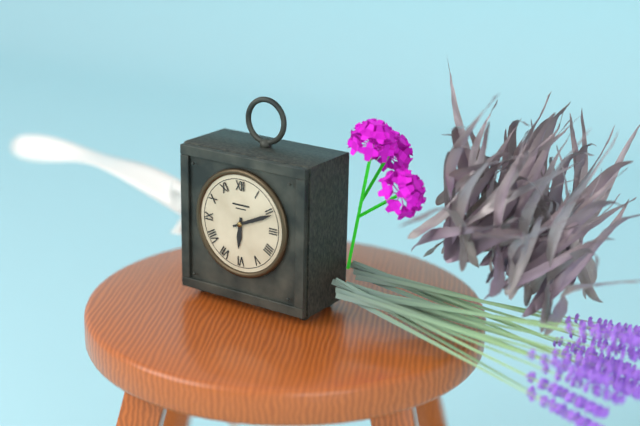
6h11
